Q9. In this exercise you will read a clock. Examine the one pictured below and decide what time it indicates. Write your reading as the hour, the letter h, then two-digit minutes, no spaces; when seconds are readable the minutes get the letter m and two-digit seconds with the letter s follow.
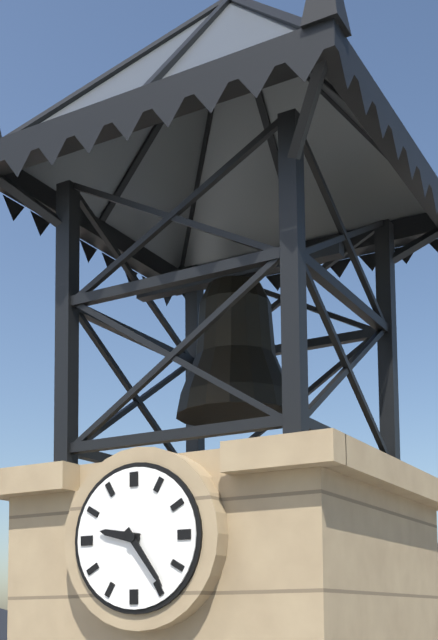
9h24
